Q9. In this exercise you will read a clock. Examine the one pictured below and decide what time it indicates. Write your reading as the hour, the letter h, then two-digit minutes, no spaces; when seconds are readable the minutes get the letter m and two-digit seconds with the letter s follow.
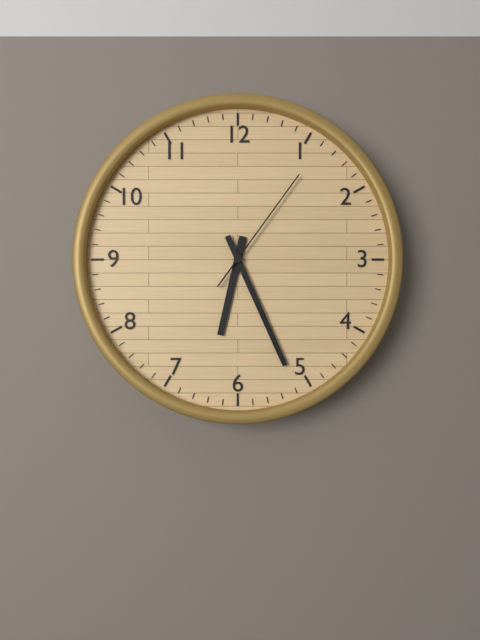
6h26m06s
